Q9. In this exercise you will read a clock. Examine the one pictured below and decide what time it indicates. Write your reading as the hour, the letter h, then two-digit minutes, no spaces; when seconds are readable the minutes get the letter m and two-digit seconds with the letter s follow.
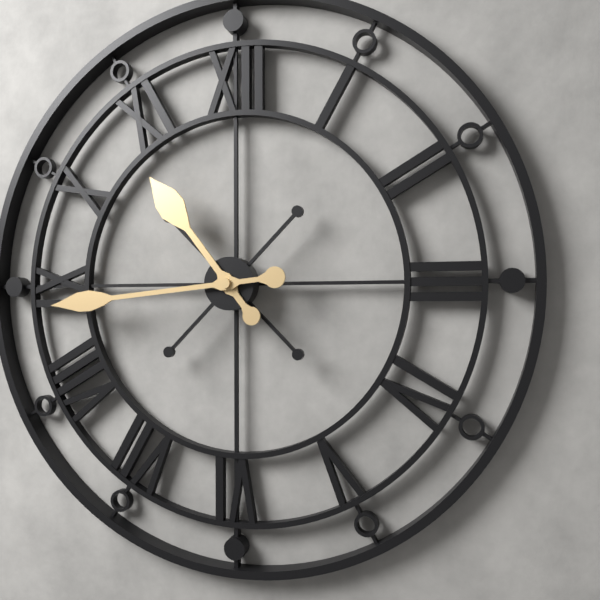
10h44
